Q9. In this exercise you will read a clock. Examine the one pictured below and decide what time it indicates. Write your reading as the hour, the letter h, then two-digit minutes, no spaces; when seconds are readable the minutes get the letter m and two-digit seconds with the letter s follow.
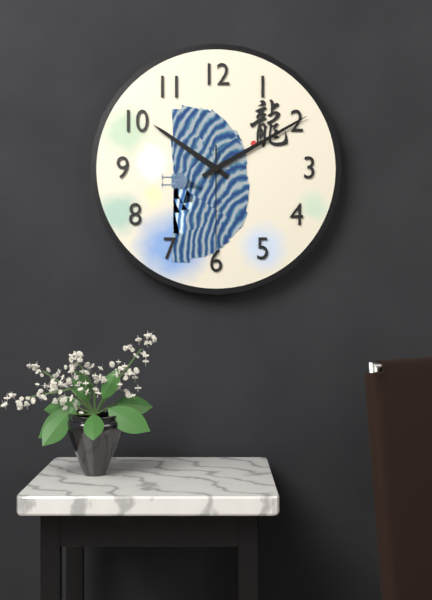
10h10m30s
